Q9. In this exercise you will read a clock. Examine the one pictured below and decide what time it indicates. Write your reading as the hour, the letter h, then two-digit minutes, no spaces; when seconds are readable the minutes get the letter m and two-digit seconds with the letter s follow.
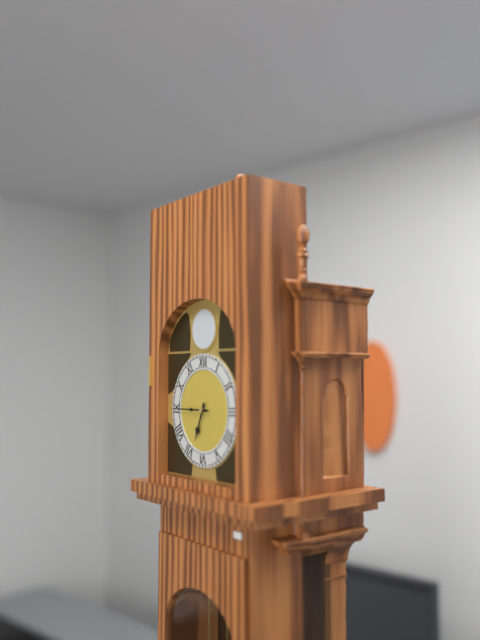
6h45
